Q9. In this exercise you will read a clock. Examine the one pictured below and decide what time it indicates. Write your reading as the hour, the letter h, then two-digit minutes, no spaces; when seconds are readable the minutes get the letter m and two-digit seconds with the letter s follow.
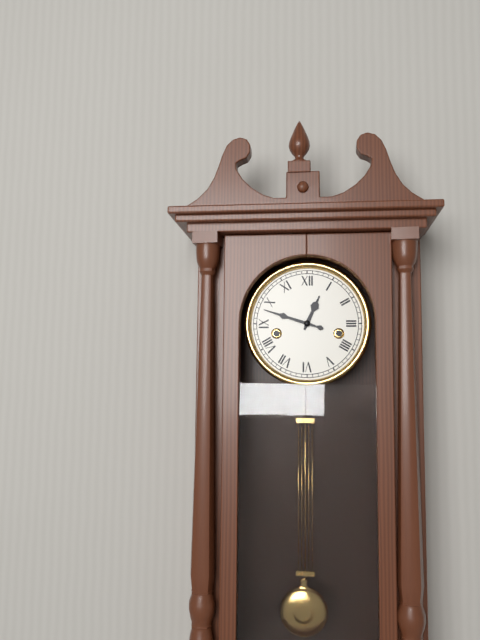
12h48
